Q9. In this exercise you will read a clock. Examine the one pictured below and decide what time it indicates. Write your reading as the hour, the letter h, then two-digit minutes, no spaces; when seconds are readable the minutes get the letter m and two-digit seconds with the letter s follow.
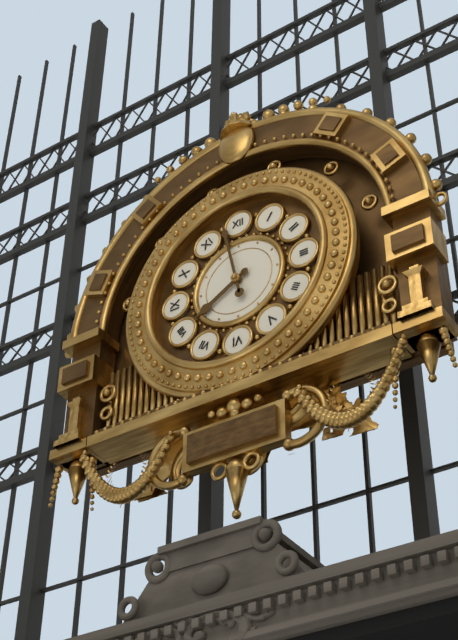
7h58
